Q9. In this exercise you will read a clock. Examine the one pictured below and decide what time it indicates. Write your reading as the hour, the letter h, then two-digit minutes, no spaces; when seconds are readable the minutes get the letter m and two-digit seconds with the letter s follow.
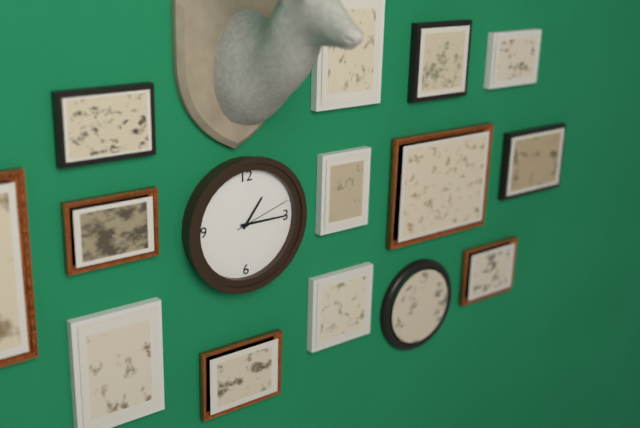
1h15m12s
